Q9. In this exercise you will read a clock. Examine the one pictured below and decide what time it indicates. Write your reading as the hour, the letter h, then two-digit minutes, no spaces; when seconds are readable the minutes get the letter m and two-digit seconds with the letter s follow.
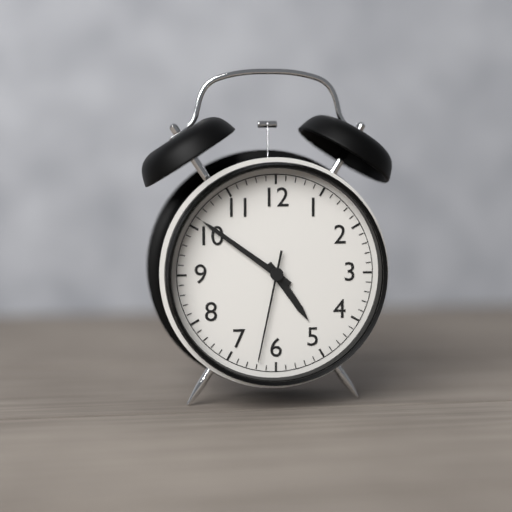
4h51m32s
